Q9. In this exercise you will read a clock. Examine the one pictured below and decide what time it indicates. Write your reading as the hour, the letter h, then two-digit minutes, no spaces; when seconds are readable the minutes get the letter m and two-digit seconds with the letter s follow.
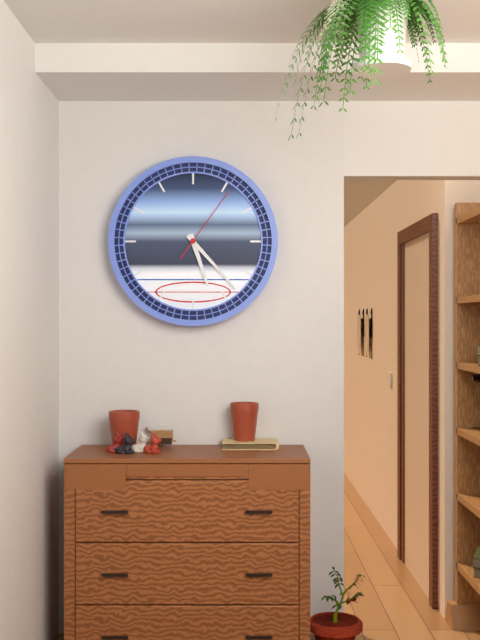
5h23m06s
